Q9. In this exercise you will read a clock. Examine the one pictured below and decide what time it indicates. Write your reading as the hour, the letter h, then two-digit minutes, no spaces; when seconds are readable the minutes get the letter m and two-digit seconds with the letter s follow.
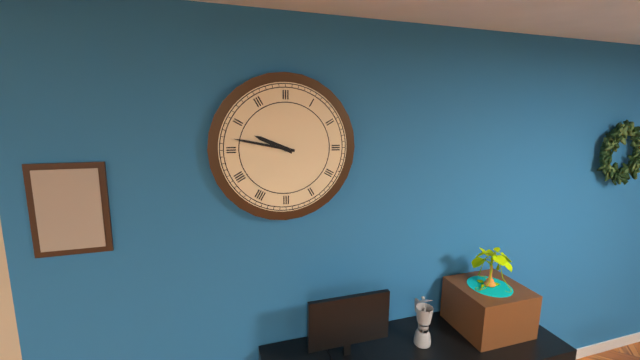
9h47
